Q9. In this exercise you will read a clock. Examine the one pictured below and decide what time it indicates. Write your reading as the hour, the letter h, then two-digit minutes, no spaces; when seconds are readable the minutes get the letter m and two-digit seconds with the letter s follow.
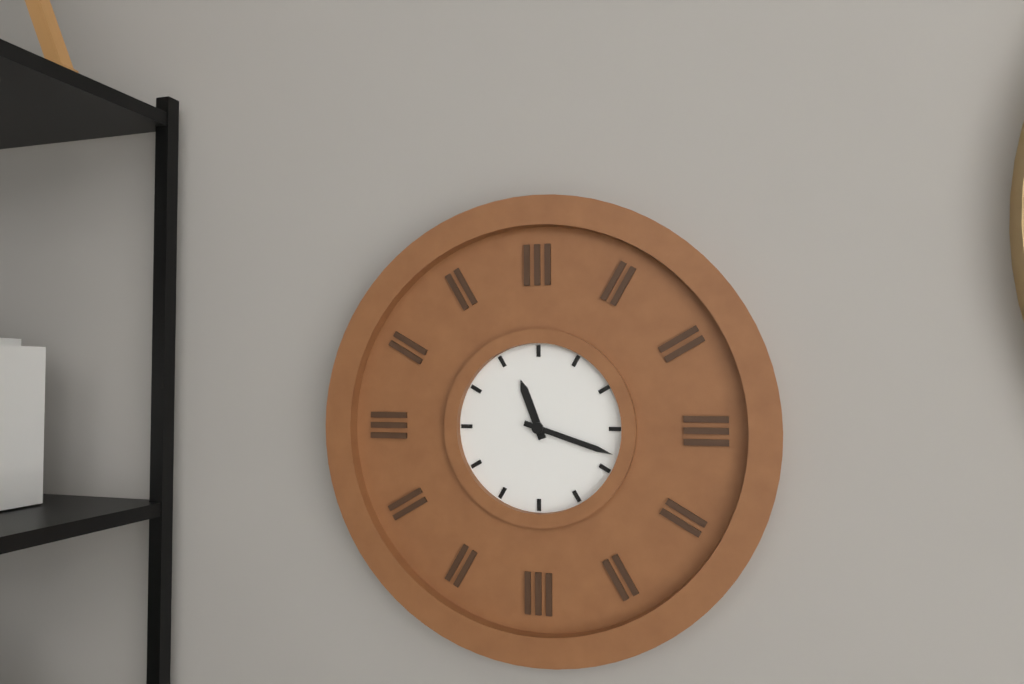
11h18
